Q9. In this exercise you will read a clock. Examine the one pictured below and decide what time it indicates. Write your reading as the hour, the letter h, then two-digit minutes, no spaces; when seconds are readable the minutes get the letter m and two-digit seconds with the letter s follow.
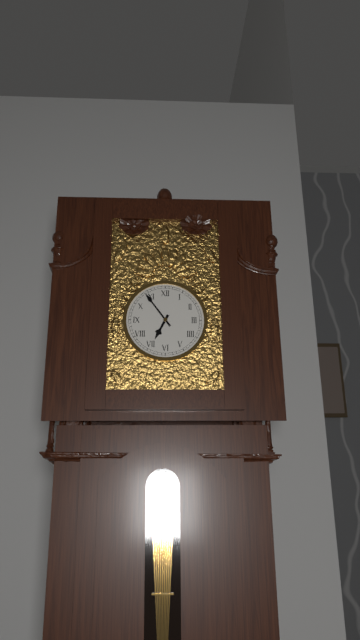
6h54
